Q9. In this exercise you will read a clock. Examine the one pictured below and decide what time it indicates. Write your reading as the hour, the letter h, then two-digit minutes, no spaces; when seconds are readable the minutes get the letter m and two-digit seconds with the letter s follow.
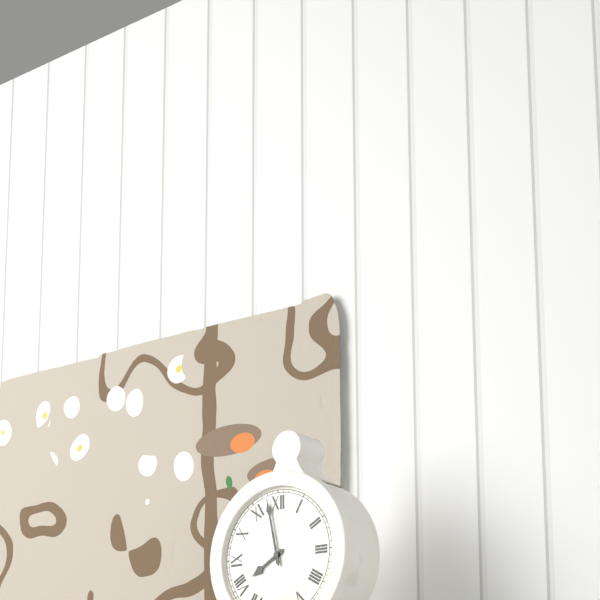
7h58
